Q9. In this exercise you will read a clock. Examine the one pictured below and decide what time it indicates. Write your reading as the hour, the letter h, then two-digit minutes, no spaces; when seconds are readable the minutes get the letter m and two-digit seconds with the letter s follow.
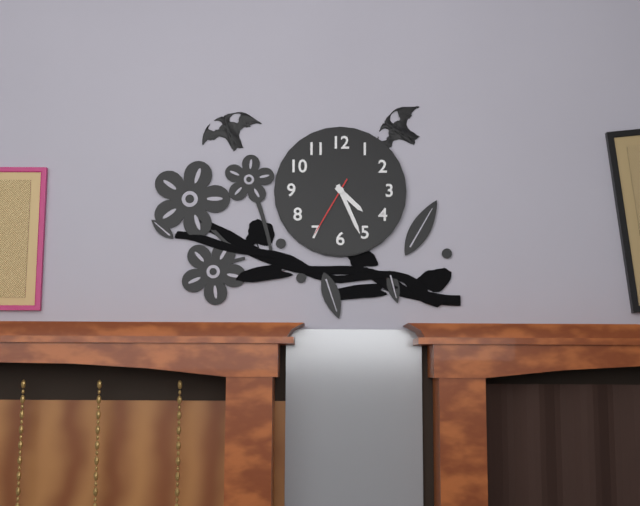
4h26m35s
